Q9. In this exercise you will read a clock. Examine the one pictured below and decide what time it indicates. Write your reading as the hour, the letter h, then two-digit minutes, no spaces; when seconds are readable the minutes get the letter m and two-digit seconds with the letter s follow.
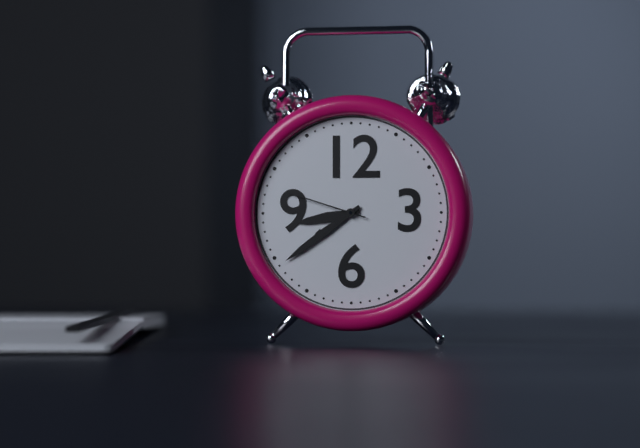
8h39m48s
